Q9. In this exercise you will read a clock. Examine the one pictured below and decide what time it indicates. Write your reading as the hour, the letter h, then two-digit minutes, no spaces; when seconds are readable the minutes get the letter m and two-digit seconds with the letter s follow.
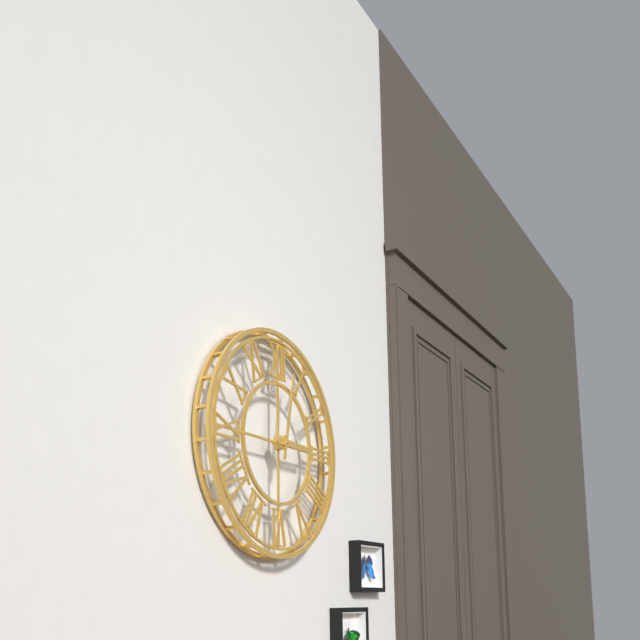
3h02
